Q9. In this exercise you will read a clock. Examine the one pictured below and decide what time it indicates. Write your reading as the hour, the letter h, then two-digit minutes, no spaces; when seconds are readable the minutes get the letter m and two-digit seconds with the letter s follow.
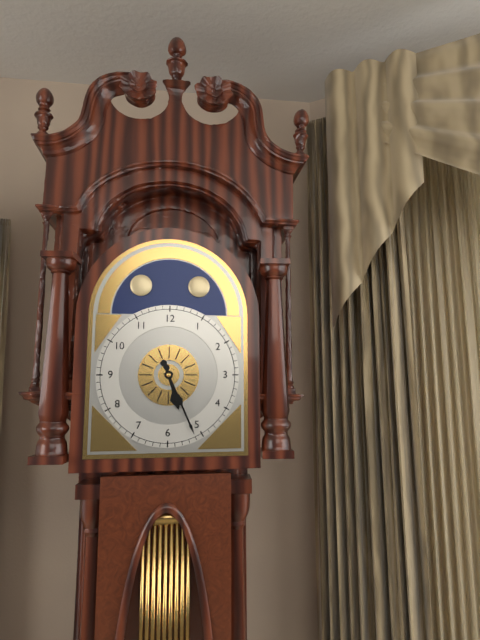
5h26
